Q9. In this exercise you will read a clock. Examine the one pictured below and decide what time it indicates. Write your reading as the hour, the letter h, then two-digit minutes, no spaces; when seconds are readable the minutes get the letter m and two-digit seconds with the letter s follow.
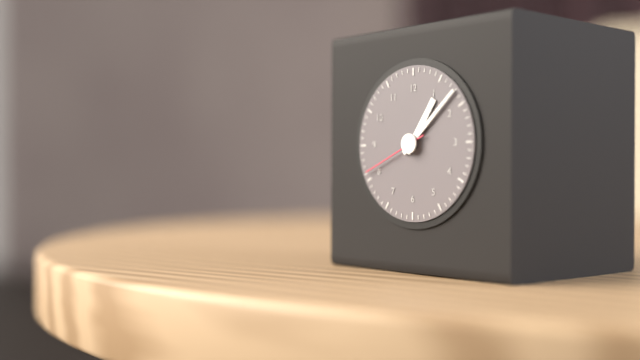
1h08m41s
